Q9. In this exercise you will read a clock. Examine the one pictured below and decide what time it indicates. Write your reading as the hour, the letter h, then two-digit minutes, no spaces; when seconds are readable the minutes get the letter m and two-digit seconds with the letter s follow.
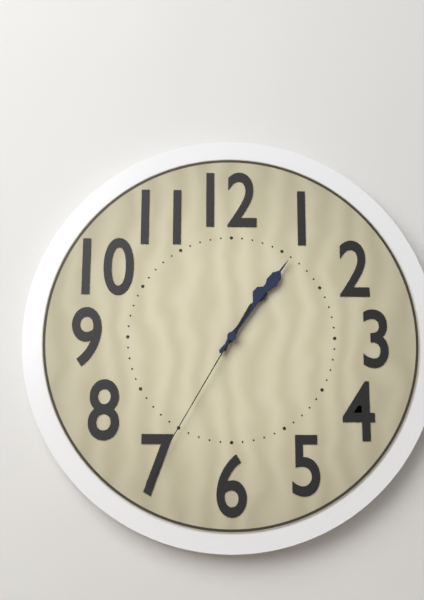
1h06m35s
